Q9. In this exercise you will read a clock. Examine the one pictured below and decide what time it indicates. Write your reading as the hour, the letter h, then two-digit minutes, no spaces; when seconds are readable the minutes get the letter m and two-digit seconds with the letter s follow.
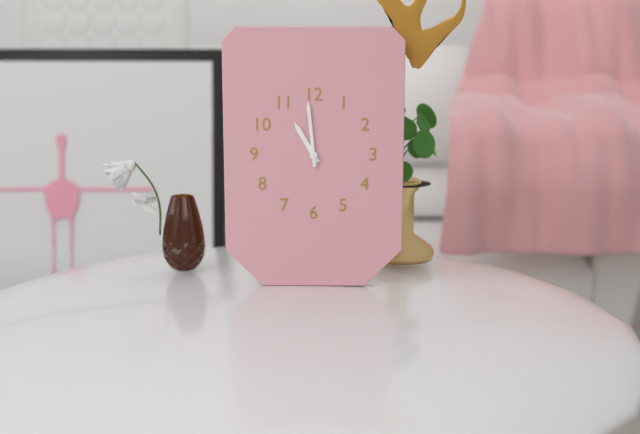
10h59
